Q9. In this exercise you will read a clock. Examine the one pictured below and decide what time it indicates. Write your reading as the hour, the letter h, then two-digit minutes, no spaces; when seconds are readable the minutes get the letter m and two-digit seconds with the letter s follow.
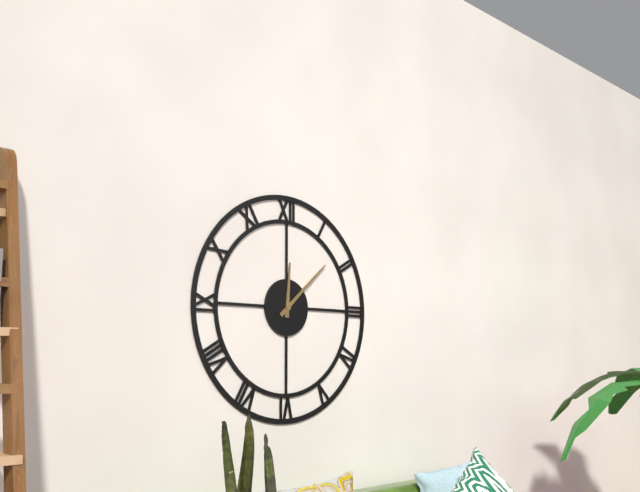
12h08
